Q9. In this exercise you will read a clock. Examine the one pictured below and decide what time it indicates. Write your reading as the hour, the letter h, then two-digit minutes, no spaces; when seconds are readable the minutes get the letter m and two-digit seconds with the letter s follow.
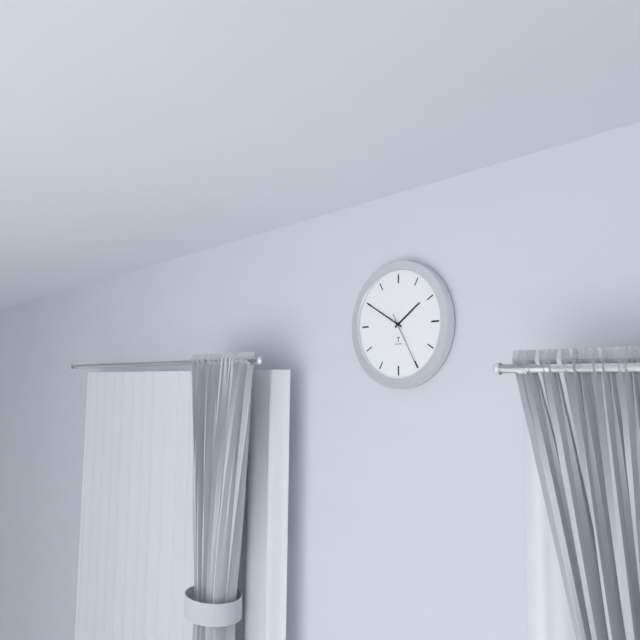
1h50m25s
